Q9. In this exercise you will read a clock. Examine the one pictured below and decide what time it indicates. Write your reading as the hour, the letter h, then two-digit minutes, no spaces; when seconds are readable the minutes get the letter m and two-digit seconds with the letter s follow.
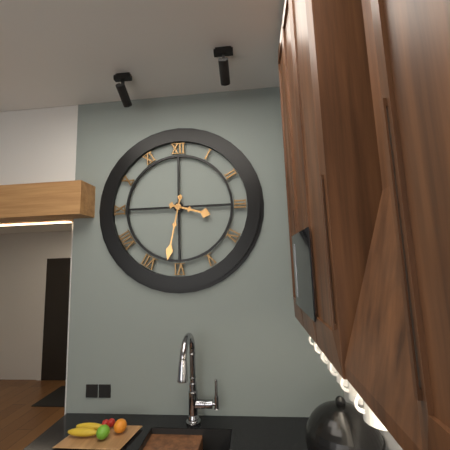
3h32
